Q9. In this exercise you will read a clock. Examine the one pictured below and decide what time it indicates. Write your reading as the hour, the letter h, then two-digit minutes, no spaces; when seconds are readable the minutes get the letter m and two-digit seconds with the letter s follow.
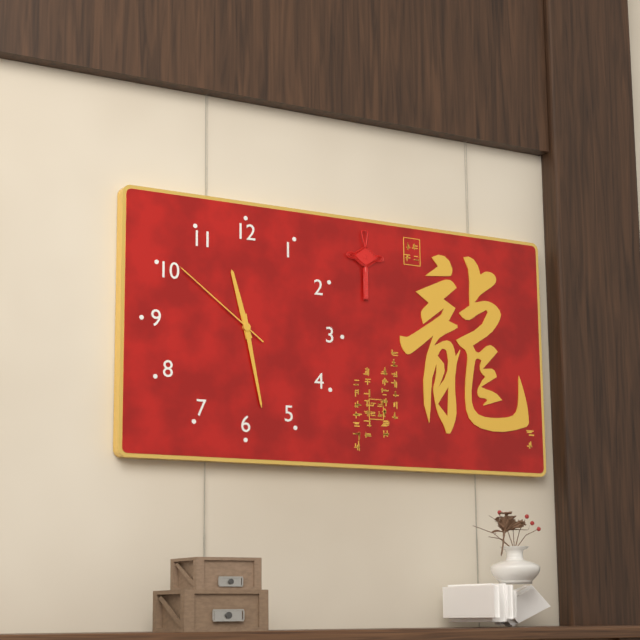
11h28m51s
